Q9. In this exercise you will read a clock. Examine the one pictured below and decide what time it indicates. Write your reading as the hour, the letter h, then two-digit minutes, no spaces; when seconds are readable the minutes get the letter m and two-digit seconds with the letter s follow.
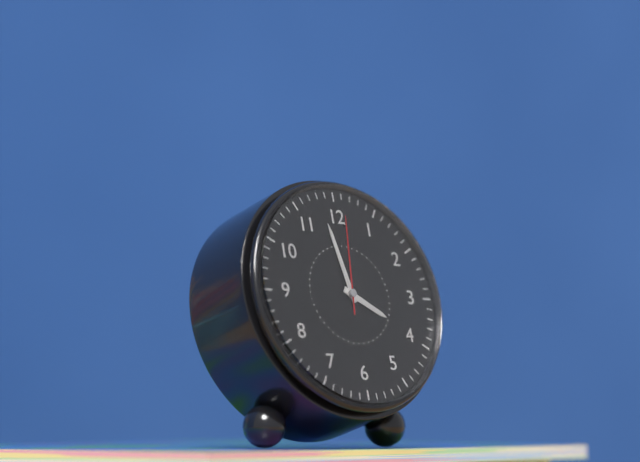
3h58m01s
